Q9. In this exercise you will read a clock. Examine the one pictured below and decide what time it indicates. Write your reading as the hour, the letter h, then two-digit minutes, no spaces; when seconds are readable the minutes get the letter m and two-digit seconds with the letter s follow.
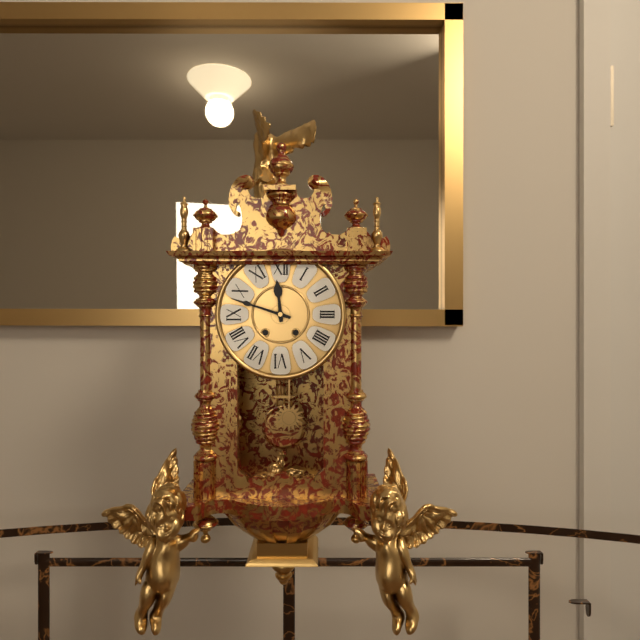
11h48
